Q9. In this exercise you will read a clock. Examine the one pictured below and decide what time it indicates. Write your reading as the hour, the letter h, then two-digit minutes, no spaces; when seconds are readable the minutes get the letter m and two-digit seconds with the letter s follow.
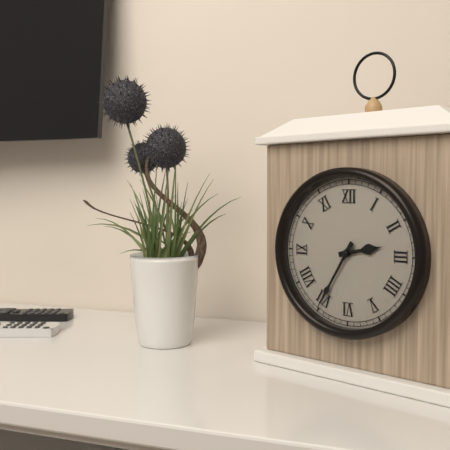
2h35
